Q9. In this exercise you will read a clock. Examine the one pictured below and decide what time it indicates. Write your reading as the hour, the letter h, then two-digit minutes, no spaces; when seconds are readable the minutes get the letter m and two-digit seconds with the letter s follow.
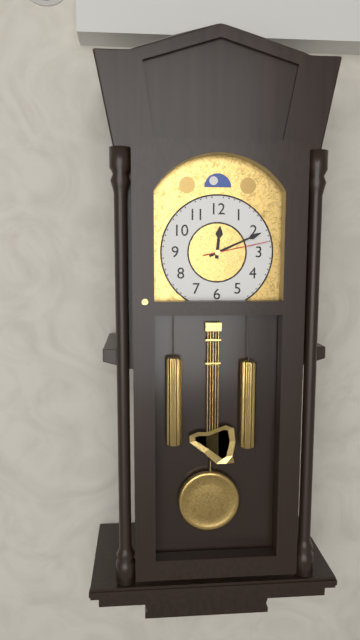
12h11m13s
